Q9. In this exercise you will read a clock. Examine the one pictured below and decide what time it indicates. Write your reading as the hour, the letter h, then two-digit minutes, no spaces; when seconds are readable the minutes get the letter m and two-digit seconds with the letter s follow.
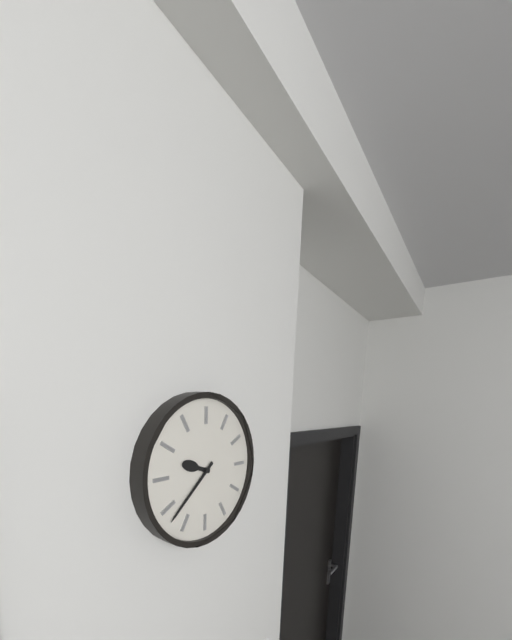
9h38
